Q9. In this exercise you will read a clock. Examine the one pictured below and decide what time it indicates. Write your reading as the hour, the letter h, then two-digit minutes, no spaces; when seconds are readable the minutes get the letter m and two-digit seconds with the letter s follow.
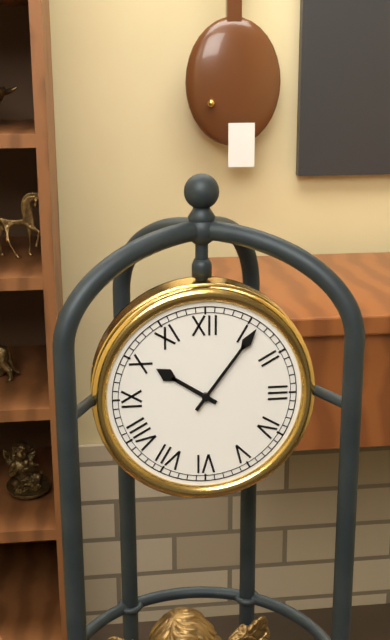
10h06
